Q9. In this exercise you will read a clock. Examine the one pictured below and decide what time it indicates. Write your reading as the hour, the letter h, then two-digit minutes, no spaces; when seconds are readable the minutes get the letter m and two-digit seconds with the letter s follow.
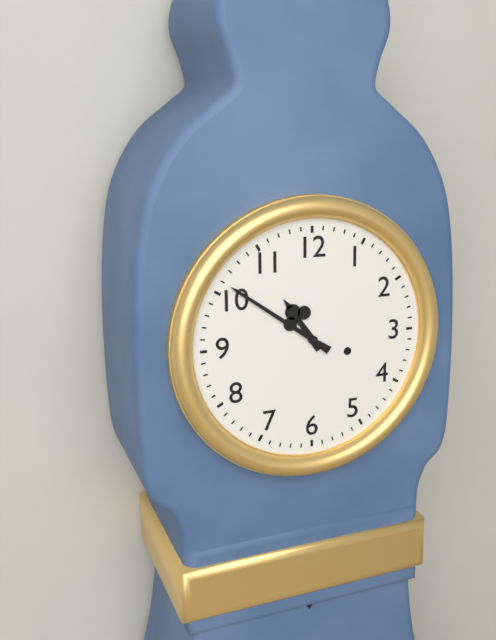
10h51
